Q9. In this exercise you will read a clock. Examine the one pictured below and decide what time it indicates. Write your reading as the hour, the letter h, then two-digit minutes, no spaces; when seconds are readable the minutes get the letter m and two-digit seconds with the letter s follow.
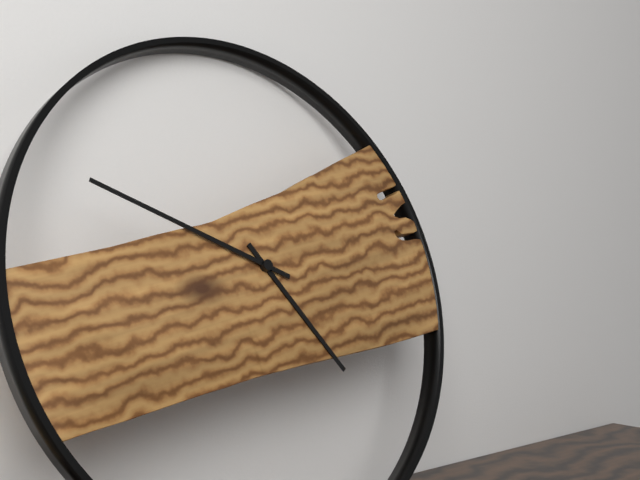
4h49
